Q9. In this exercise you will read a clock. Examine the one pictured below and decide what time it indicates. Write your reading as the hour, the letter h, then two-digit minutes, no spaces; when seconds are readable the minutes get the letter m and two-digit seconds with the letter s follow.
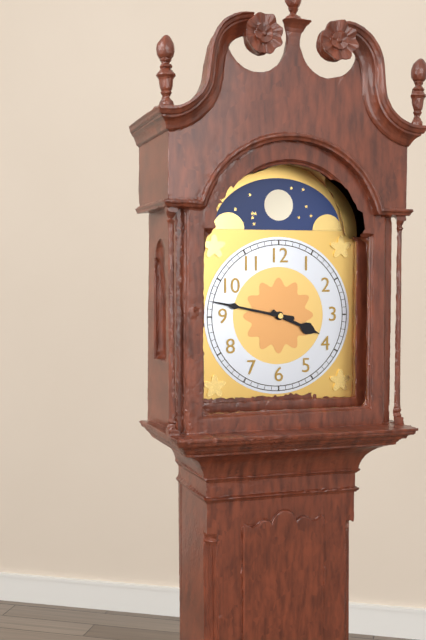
3h47
